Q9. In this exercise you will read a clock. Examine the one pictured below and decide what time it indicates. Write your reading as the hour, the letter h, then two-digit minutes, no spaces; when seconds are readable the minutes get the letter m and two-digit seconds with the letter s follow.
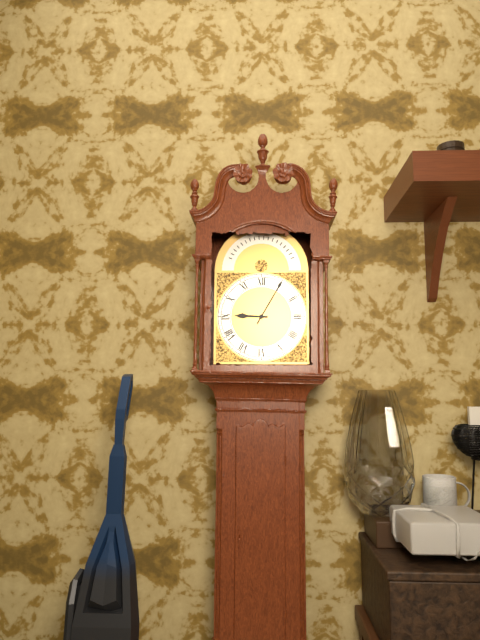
9h05
